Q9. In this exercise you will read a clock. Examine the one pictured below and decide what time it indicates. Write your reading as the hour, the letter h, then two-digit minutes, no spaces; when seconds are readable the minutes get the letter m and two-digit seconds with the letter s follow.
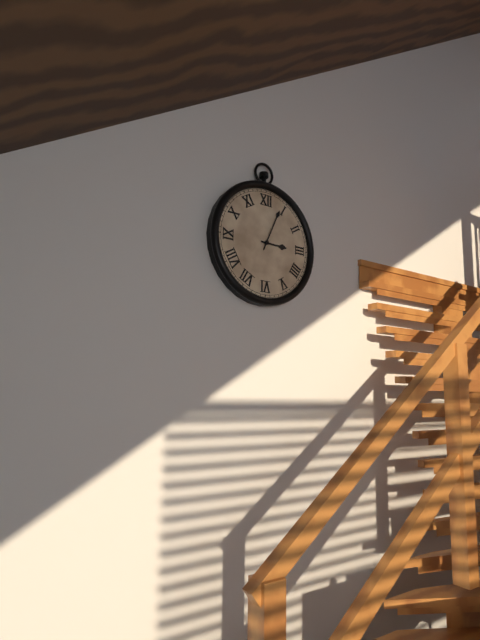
3h04
